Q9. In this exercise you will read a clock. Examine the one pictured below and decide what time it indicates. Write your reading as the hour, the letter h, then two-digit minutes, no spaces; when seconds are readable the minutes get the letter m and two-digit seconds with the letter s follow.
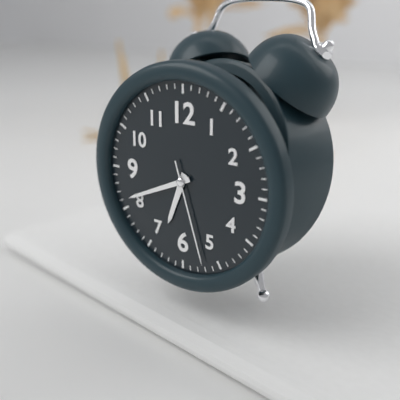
6h41m27s
